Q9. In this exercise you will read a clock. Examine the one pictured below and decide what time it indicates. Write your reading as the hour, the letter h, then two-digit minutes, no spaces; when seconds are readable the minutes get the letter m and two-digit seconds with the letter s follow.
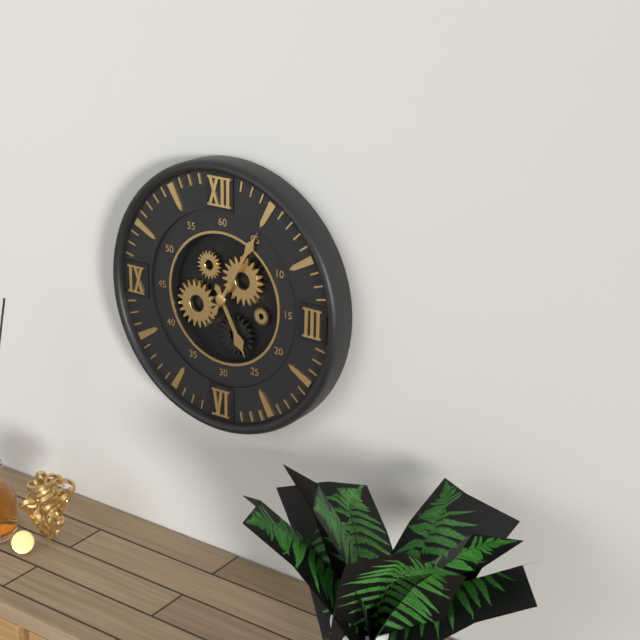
5h05
